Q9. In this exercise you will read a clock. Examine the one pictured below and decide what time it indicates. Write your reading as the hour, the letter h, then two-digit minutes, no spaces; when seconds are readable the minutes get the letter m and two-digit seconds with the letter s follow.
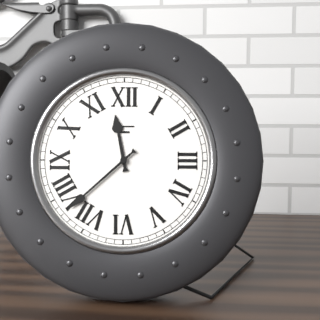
11h38
